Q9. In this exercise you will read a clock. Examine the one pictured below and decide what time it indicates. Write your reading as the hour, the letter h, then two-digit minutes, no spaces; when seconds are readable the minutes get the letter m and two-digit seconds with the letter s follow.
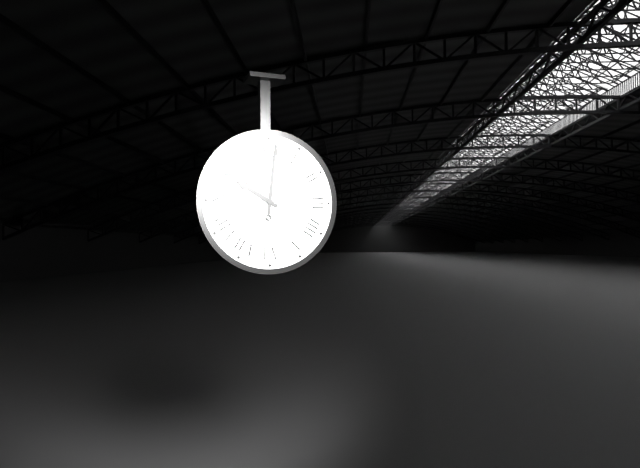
10h01
